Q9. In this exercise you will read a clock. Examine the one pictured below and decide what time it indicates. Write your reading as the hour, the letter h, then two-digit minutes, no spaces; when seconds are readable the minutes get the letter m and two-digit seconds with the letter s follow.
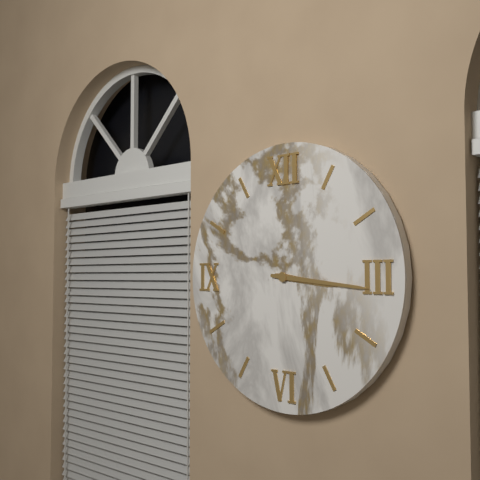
3h16
